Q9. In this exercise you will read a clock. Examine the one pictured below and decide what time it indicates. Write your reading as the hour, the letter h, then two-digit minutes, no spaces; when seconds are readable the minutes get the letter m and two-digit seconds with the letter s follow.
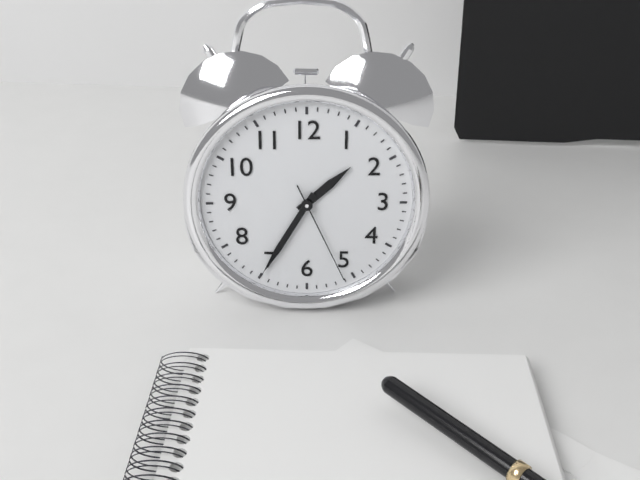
1h35m26s
